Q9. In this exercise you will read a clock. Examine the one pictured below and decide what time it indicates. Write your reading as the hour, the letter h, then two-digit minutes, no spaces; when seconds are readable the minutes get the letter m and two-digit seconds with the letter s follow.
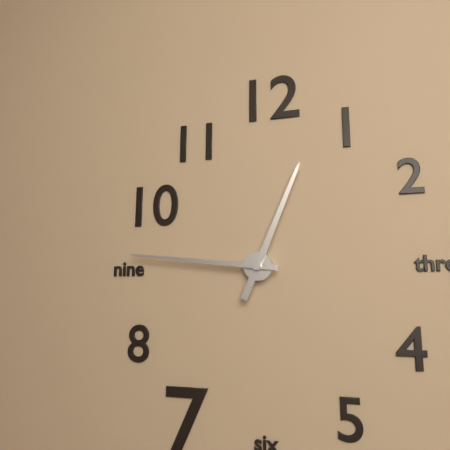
12h46
